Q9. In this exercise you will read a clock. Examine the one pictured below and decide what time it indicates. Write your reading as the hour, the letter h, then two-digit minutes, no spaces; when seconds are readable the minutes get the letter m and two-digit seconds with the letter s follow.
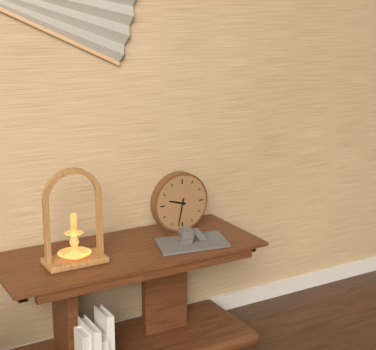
9h32
